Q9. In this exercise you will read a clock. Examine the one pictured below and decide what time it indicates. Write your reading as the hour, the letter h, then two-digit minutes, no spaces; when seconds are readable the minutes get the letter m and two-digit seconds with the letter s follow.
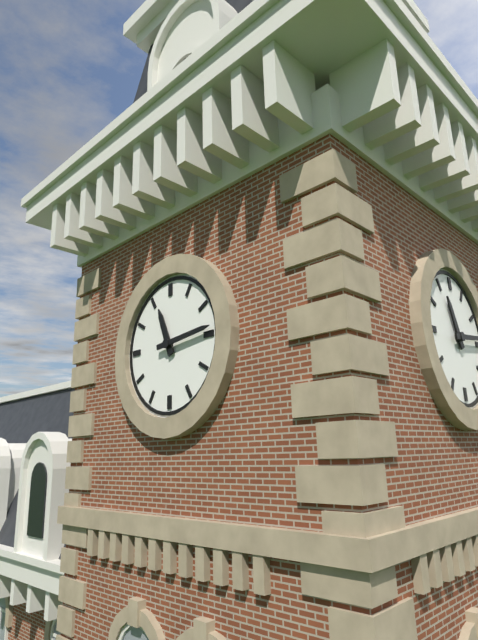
11h14
